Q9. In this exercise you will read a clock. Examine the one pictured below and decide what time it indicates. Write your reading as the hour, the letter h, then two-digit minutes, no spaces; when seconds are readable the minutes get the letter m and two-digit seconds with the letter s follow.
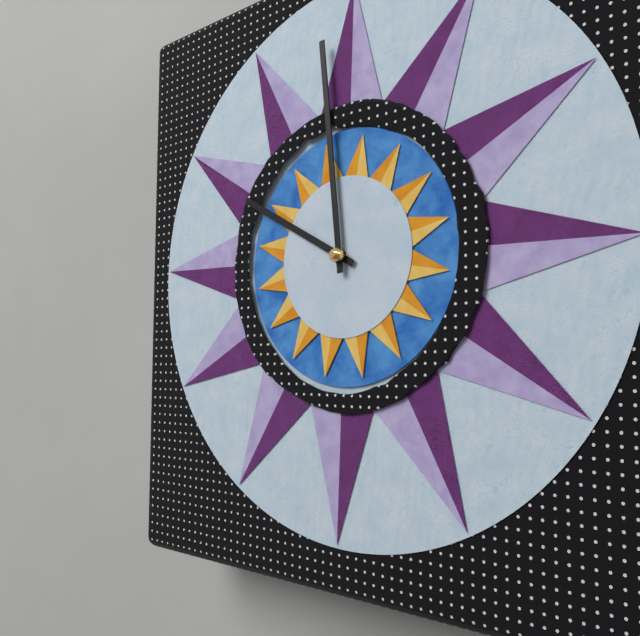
9h59
